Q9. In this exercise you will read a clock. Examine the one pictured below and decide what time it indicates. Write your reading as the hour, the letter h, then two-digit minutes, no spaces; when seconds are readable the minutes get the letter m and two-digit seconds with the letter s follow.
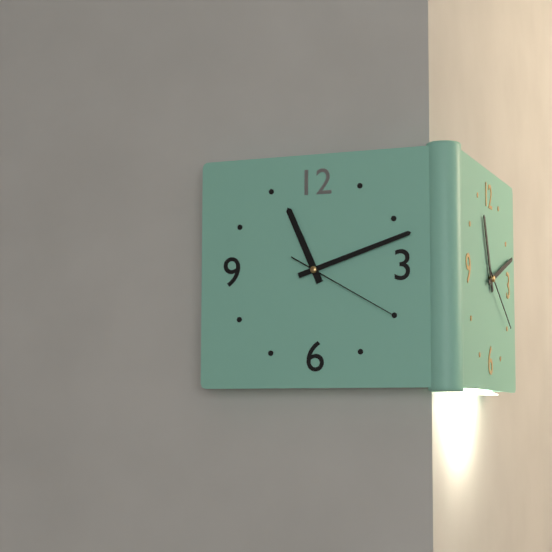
11h12m20s
